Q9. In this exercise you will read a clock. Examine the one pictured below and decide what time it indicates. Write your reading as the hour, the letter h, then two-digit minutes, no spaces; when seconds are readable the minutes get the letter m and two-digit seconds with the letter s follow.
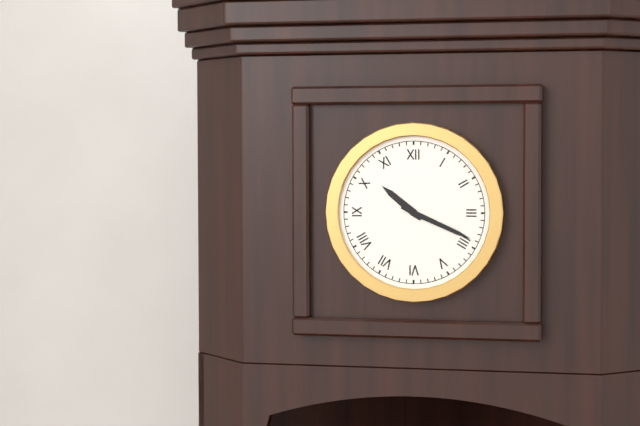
10h19
